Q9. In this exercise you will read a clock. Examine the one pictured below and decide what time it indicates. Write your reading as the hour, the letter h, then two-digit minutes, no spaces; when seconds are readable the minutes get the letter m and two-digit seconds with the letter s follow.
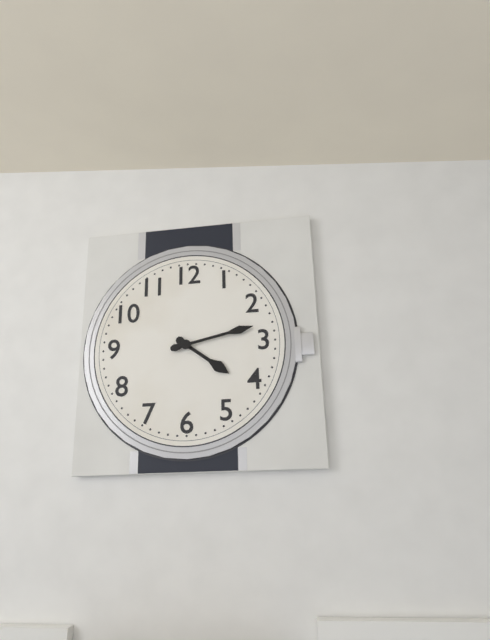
4h13
